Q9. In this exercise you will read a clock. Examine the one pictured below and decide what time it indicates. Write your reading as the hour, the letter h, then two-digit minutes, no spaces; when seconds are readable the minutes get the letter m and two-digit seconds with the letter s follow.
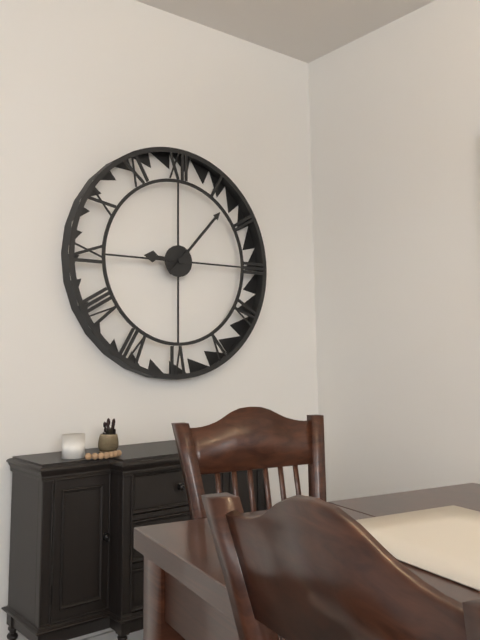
9h07
